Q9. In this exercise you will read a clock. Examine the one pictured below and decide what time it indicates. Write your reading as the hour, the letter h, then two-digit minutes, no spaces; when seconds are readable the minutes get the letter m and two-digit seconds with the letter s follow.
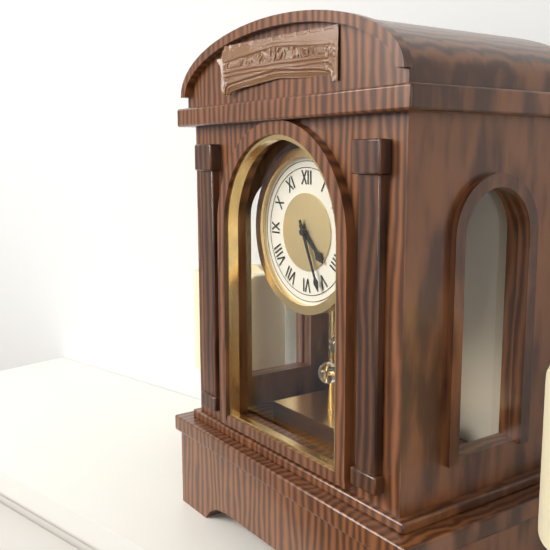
4h26
